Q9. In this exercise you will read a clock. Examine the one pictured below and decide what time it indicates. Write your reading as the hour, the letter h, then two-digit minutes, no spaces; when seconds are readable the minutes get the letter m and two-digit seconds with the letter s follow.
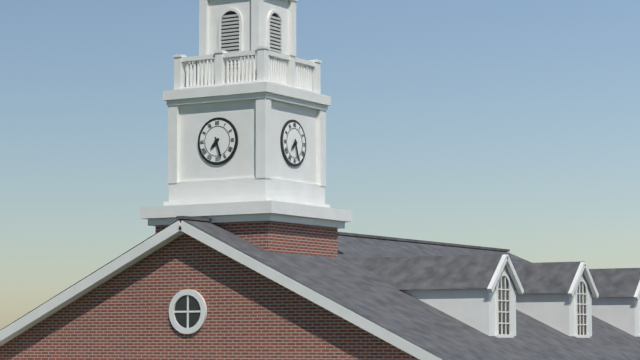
7h27
